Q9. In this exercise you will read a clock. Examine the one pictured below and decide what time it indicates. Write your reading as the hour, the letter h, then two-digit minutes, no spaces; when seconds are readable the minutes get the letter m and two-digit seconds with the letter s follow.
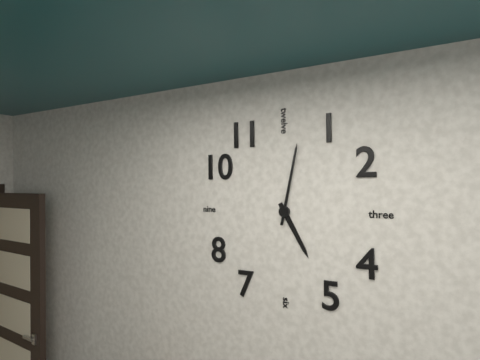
5h02
